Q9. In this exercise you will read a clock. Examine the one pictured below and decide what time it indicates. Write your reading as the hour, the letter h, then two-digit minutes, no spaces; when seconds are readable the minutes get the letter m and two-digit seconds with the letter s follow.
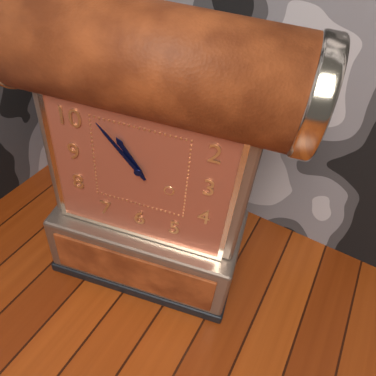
10h53
